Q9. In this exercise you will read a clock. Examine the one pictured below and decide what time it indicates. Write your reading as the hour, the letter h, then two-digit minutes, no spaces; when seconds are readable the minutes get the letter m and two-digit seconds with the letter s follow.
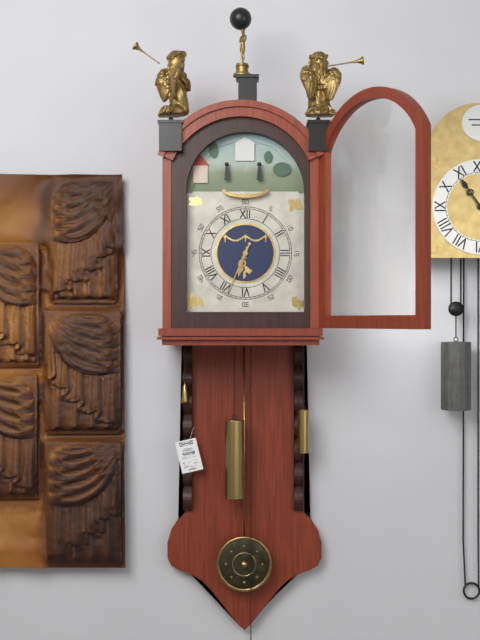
6h34
